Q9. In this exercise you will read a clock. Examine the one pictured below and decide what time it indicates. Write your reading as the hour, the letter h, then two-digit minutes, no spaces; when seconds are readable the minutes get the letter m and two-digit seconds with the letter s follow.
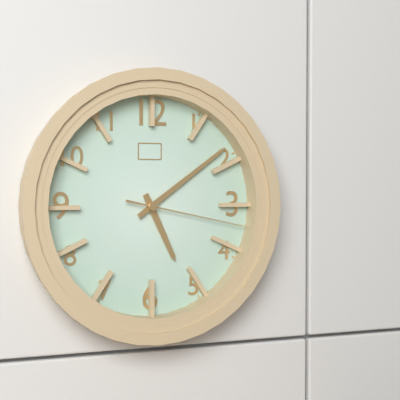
5h09m17s
